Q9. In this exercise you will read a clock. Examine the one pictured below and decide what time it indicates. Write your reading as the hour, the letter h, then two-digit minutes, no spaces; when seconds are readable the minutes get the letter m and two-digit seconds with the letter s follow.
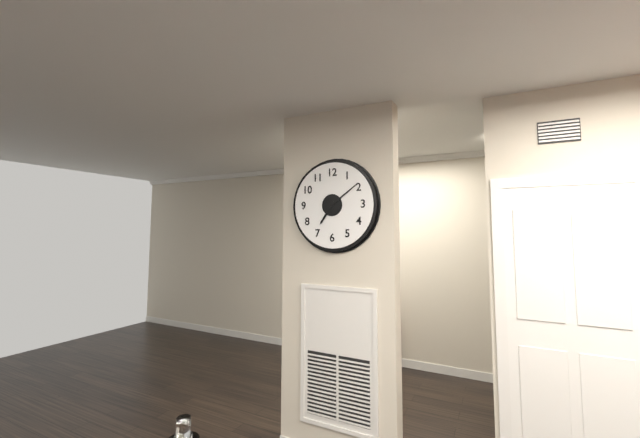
7h09
